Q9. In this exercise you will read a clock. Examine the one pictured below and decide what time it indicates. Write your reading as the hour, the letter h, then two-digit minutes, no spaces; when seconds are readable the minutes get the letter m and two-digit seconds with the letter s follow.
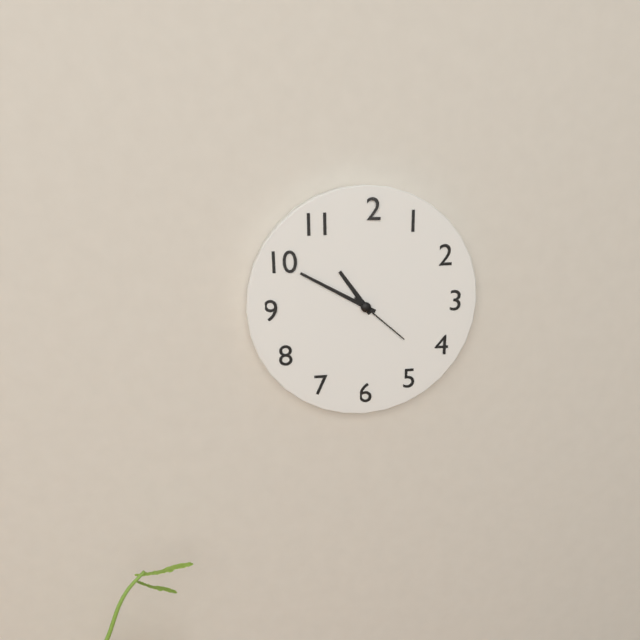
10h50m22s
